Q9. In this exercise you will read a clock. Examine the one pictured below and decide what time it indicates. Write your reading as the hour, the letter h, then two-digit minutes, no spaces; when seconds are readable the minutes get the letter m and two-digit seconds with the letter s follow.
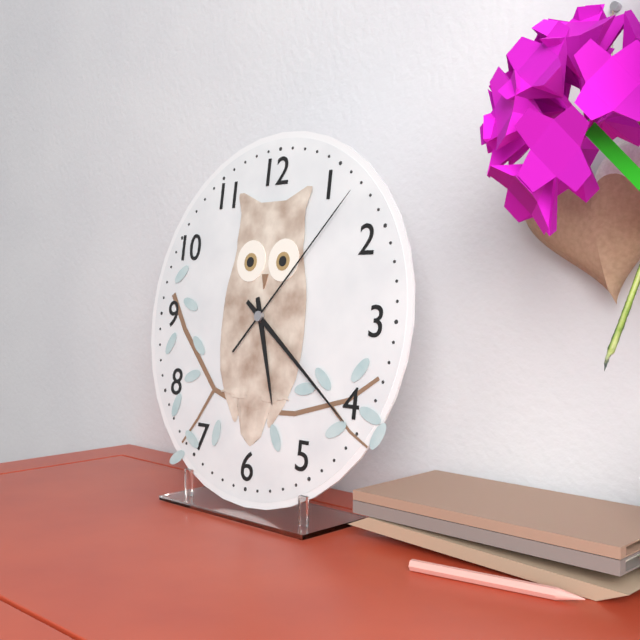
5h21m07s
